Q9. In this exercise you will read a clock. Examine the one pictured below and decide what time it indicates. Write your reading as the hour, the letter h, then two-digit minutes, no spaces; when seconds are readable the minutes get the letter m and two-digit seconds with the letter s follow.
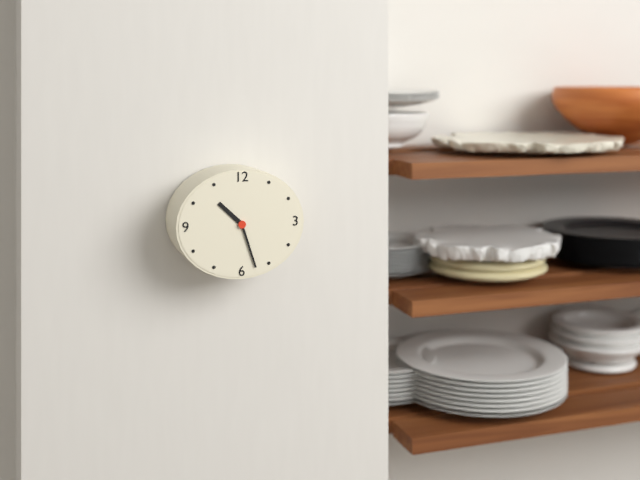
10h27
